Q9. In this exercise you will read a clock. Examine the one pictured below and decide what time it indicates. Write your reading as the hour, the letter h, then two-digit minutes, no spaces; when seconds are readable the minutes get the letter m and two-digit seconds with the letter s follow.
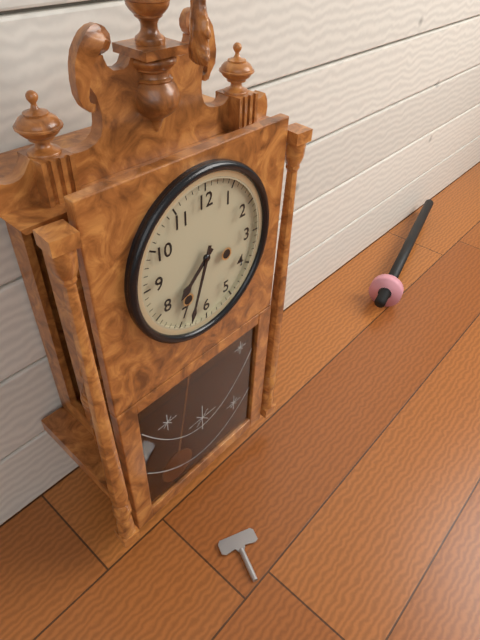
7h33
